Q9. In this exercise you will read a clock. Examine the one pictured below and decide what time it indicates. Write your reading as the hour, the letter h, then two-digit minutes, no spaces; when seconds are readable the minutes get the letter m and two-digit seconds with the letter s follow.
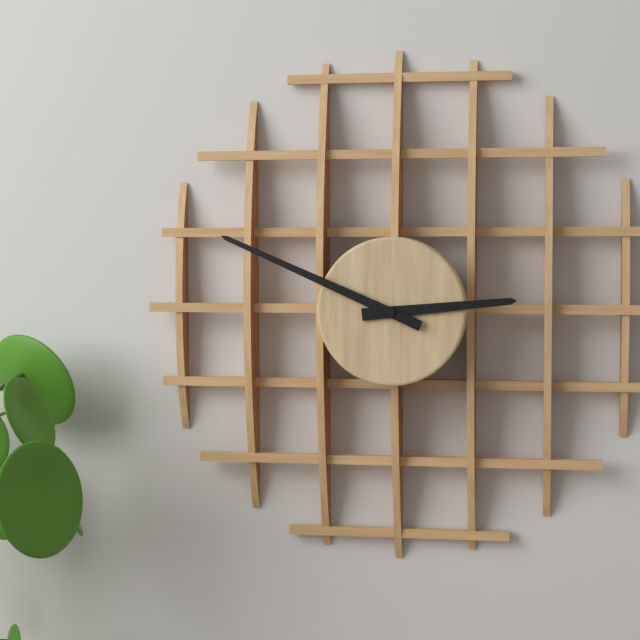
2h49
